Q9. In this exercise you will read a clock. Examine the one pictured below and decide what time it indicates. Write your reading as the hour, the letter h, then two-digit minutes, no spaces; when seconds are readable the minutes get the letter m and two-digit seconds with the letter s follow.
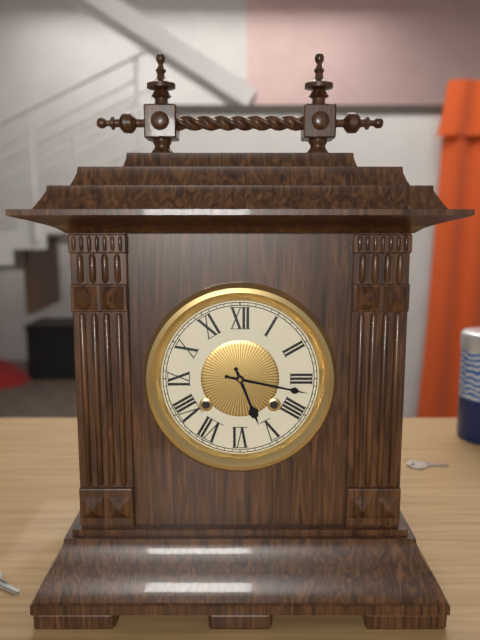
5h17
